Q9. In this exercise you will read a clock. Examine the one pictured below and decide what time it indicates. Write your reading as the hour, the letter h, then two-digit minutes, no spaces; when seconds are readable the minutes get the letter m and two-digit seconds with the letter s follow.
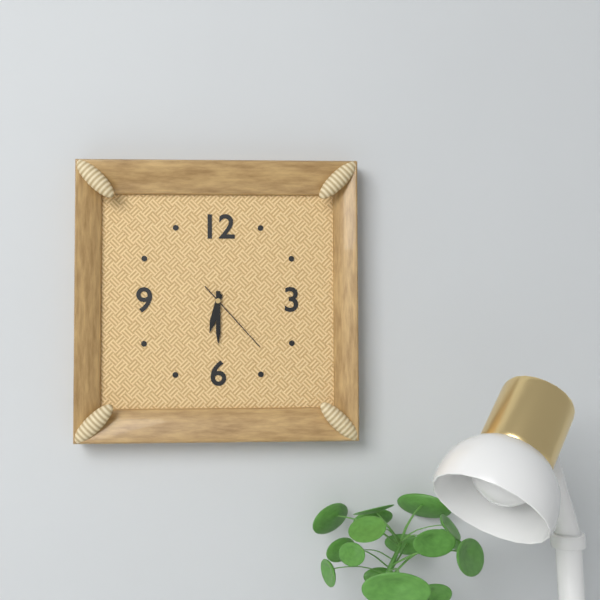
6h30m23s
